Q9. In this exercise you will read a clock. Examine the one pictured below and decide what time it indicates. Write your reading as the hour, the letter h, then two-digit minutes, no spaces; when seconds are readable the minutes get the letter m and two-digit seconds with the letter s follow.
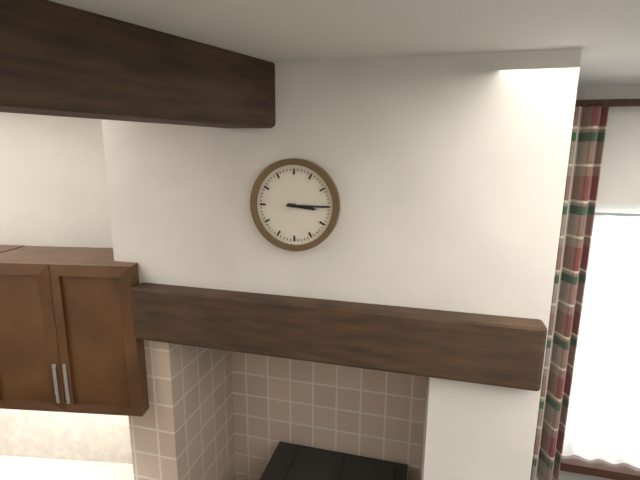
3h15
